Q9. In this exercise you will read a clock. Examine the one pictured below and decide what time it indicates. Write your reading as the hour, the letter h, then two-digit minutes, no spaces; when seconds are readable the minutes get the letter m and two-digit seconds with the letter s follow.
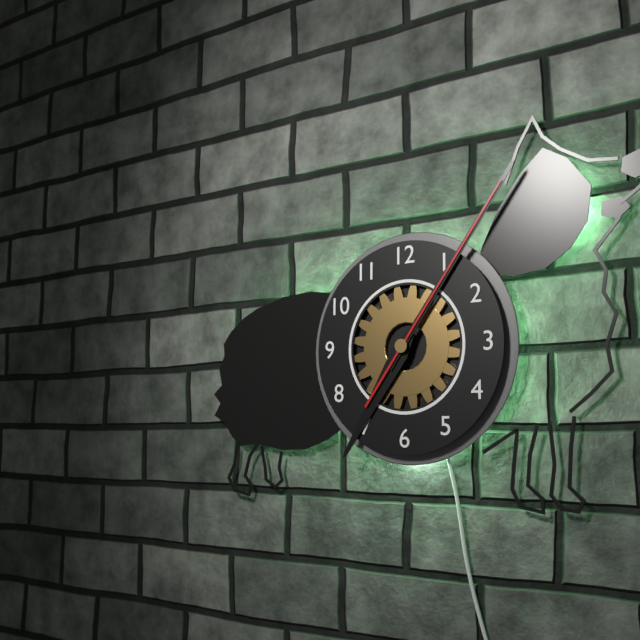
7h06m06s
